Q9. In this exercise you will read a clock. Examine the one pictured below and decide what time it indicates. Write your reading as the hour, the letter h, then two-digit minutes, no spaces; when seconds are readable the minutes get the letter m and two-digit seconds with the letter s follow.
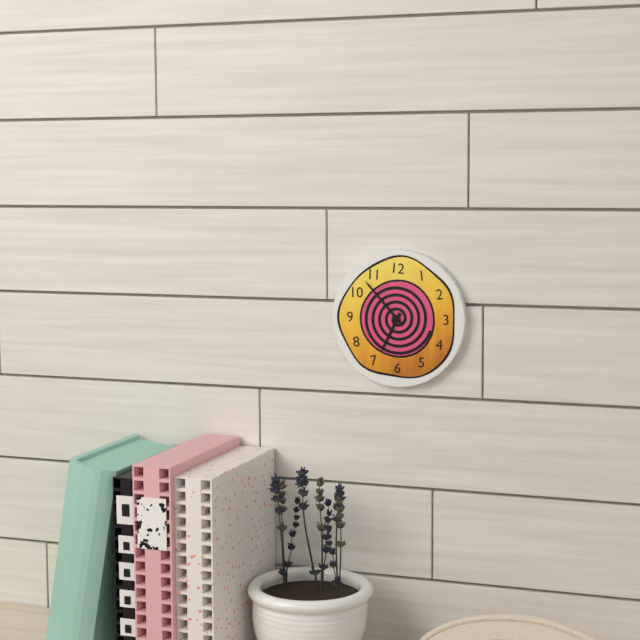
6h53
